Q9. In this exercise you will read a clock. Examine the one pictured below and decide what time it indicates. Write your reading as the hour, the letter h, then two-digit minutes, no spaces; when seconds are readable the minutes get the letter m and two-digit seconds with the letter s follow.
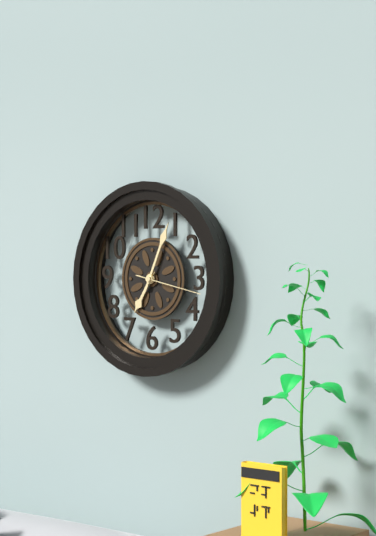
7h04m17s
